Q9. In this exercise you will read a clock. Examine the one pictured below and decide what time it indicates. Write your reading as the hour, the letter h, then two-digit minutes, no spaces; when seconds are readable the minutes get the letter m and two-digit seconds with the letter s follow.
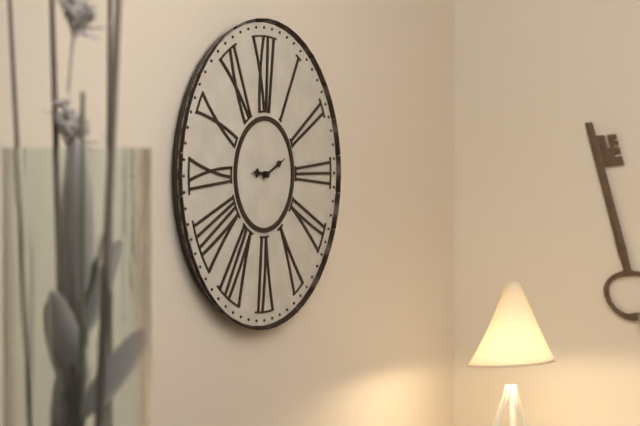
9h11
